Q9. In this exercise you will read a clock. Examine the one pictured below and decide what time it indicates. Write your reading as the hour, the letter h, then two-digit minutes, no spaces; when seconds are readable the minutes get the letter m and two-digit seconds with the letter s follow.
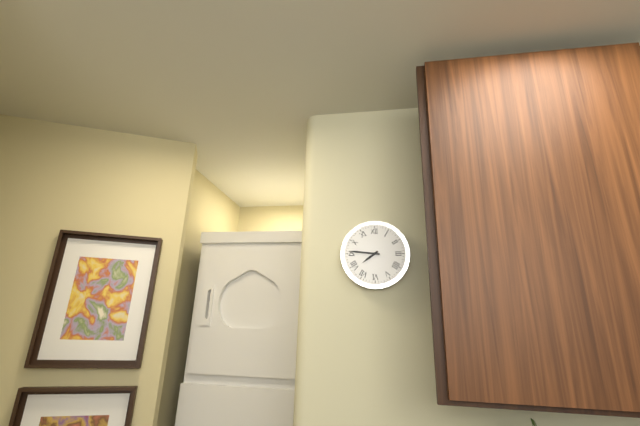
7h46
